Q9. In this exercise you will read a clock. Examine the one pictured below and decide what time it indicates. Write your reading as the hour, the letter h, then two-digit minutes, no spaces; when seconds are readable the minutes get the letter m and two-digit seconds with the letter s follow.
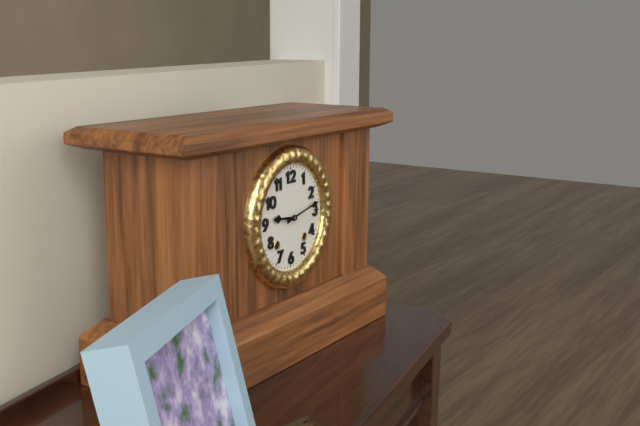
9h13
